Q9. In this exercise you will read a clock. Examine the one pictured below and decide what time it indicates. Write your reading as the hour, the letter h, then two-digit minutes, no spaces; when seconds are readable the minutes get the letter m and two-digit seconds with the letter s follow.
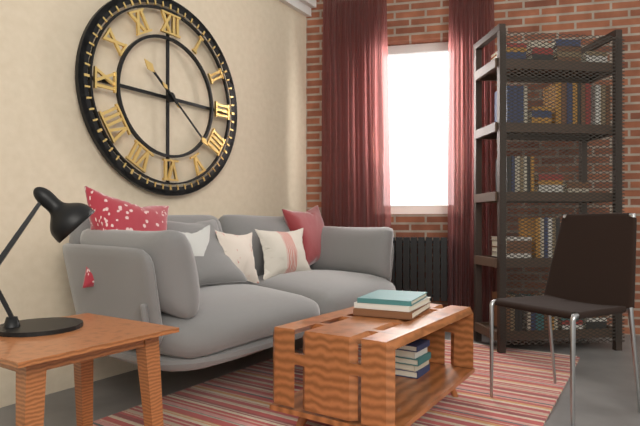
10h22
